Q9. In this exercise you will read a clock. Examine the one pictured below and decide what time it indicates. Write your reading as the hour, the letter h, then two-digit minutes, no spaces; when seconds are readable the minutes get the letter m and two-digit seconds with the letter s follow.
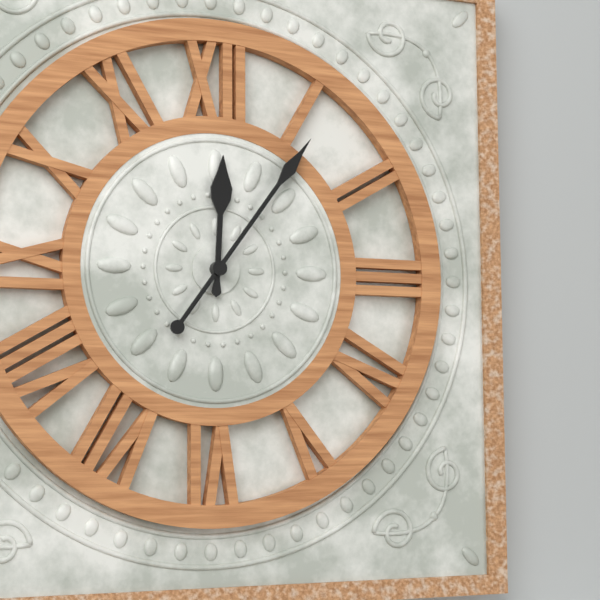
12h06
